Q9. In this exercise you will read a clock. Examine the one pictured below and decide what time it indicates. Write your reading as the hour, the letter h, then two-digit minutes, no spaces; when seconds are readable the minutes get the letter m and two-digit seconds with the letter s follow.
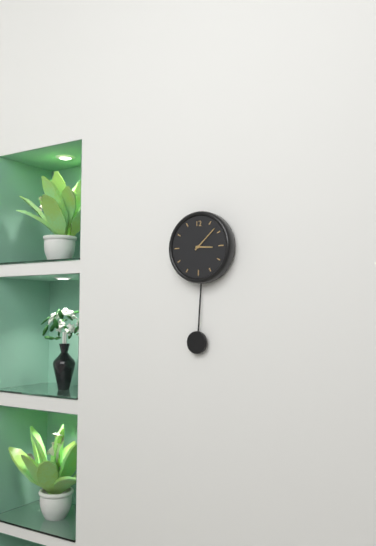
3h08
